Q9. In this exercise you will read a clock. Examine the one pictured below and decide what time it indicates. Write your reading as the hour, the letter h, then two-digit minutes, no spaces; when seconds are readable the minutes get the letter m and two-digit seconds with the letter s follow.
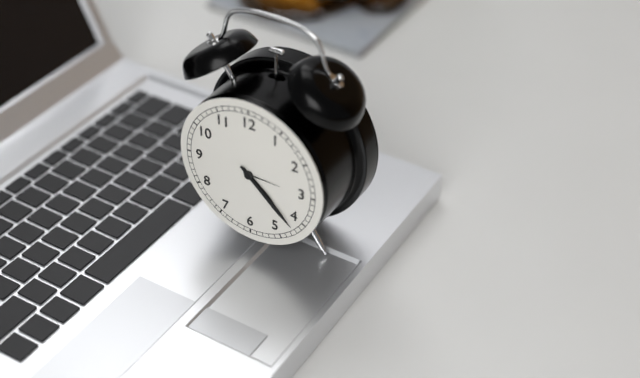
4h22
